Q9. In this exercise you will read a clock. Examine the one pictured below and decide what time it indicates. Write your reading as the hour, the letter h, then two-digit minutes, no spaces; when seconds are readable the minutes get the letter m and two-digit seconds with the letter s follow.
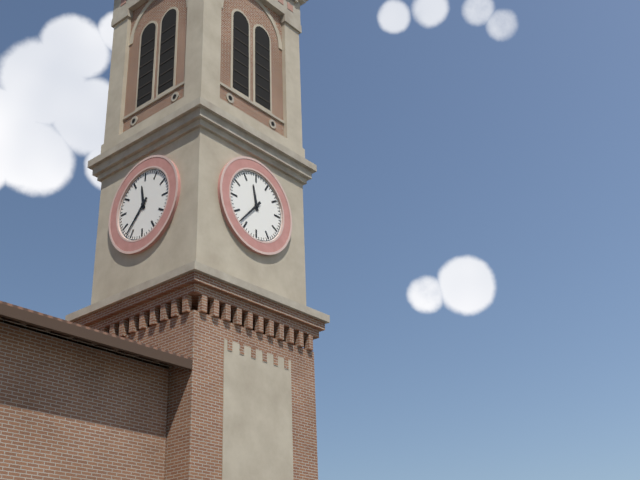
11h37
